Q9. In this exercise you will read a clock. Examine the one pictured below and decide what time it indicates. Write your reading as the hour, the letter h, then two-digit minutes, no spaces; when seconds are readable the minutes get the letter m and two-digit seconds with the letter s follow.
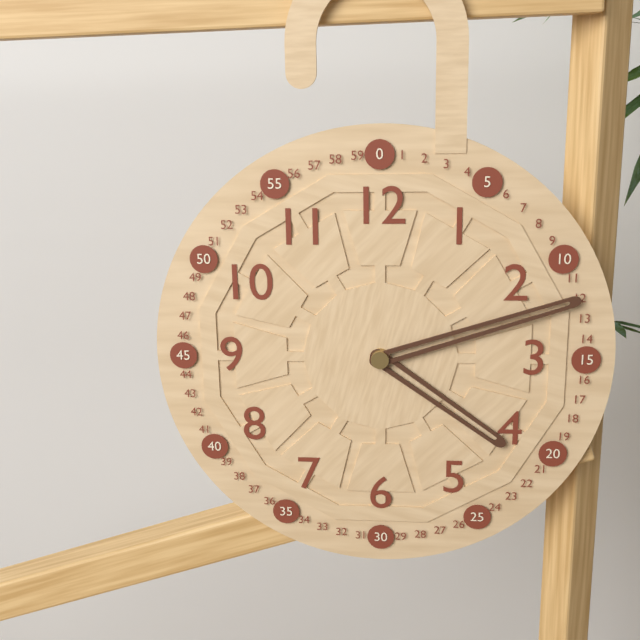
4h12
